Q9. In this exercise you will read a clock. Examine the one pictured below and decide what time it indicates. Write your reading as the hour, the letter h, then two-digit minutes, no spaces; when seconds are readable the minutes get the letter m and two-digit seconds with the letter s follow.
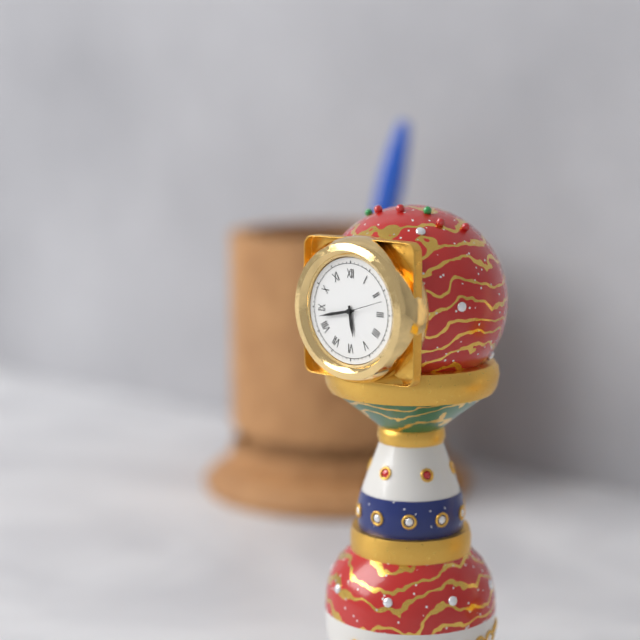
5h43
